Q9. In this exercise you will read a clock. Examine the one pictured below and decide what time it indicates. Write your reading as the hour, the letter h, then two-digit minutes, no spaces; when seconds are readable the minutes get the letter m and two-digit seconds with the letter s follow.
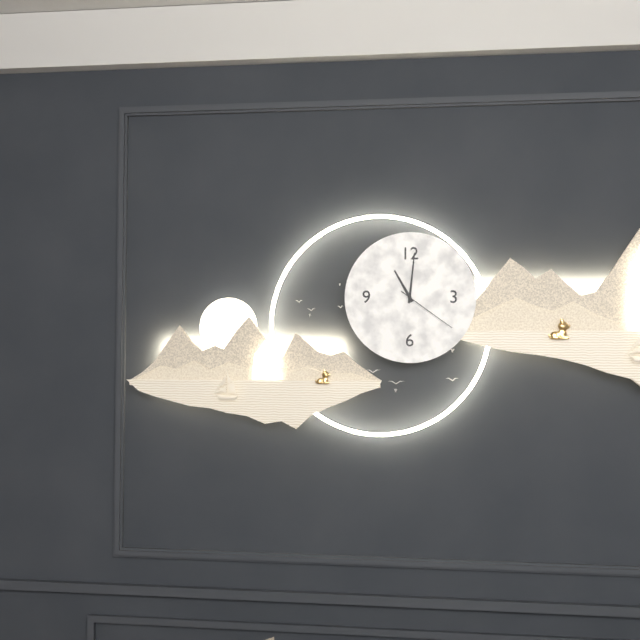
11h01m21s
